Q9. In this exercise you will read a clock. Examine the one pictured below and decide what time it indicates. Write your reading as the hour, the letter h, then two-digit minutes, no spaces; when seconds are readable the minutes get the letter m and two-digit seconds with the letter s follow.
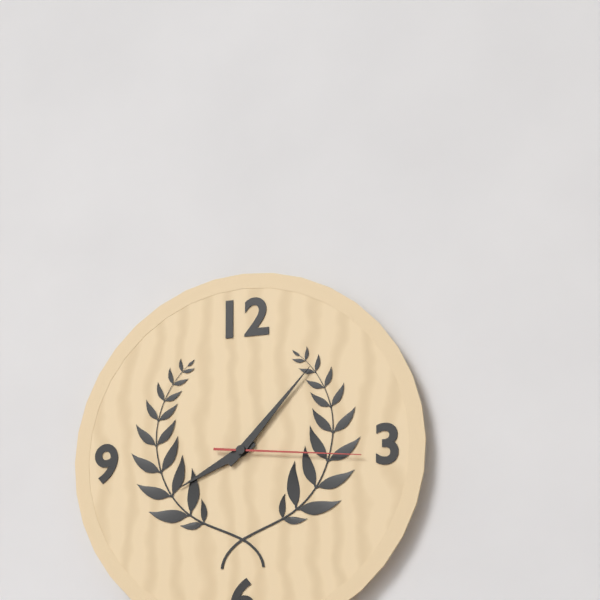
8h07m16s
